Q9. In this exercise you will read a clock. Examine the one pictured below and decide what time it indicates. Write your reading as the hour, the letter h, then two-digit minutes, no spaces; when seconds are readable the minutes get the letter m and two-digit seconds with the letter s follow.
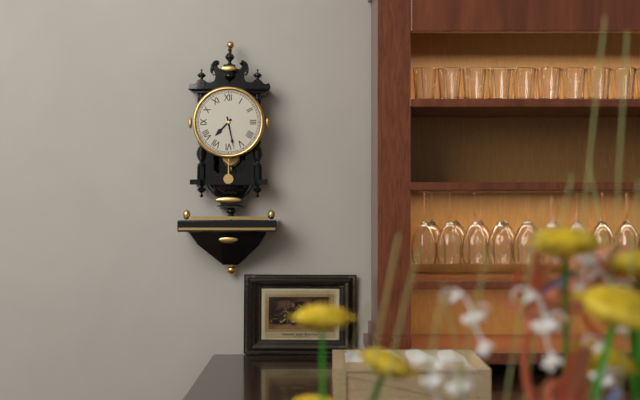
7h28
